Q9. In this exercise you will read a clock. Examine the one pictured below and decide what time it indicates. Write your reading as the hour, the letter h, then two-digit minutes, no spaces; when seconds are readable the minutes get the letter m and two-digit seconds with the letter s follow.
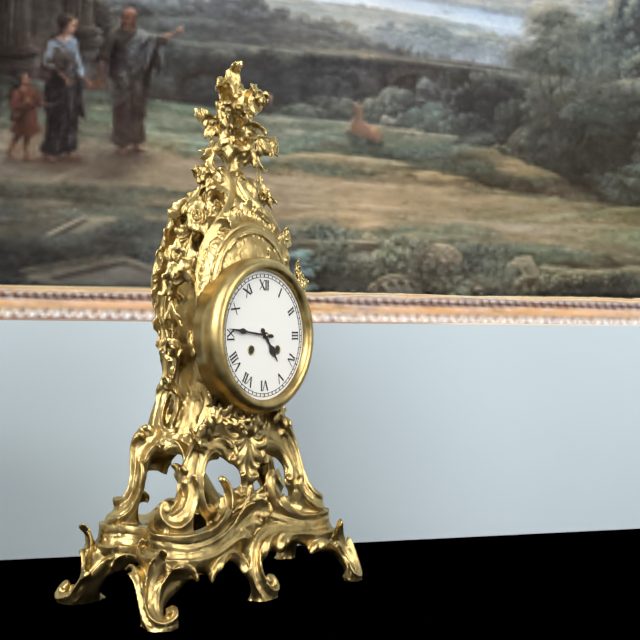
4h46
